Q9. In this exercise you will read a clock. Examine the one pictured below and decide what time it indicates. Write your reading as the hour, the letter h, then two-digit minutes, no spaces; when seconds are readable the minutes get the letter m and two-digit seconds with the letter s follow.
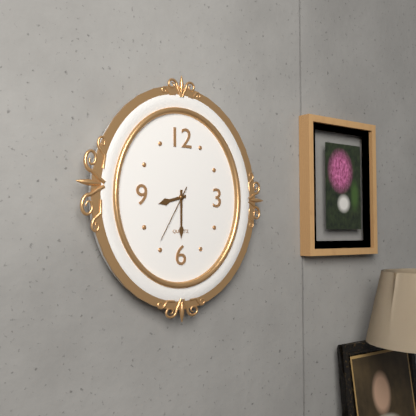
8h30m35s
